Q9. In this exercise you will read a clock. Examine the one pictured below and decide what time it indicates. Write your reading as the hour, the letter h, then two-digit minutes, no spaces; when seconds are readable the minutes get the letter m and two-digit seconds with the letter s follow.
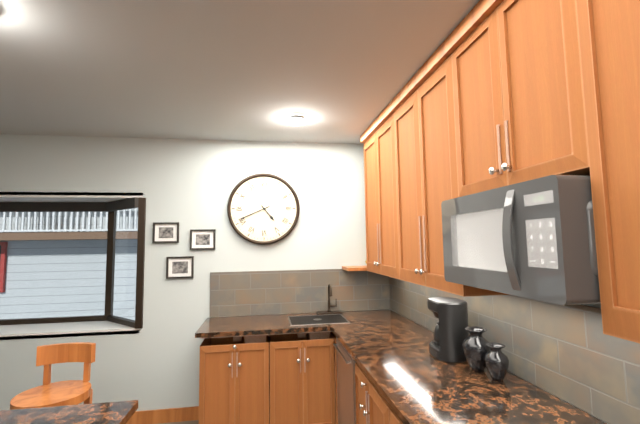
4h41
